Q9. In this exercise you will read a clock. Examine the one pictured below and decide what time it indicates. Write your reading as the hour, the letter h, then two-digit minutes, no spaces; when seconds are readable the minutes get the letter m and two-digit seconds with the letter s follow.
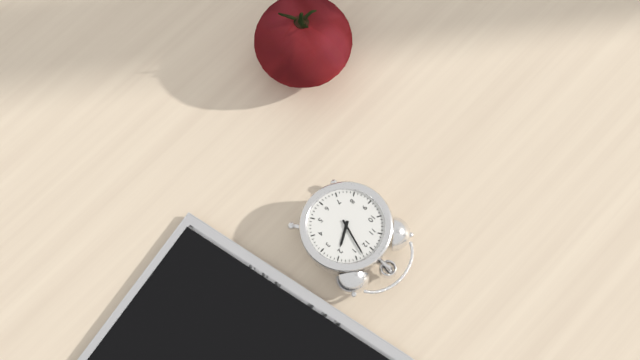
2h03
